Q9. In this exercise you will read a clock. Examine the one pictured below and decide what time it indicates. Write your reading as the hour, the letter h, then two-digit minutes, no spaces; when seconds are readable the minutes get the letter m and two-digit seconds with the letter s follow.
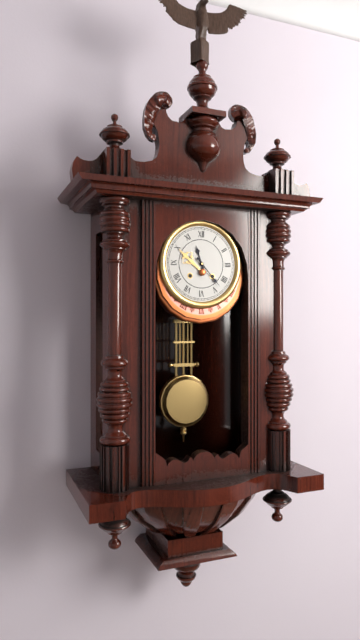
11h23
